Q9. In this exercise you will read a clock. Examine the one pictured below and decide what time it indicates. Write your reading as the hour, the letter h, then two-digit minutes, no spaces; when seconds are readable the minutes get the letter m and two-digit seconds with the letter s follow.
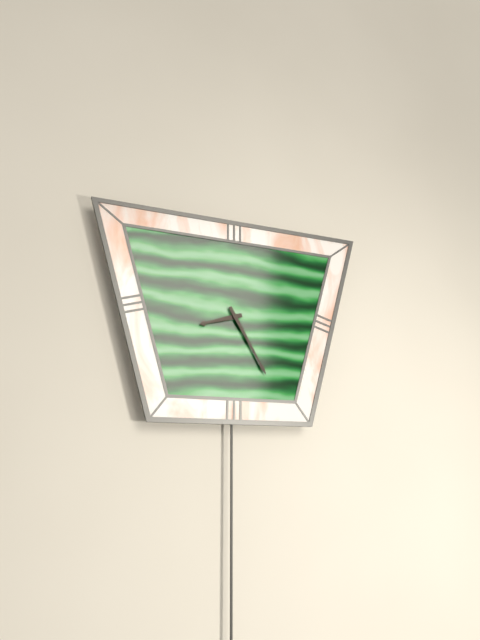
8h25
